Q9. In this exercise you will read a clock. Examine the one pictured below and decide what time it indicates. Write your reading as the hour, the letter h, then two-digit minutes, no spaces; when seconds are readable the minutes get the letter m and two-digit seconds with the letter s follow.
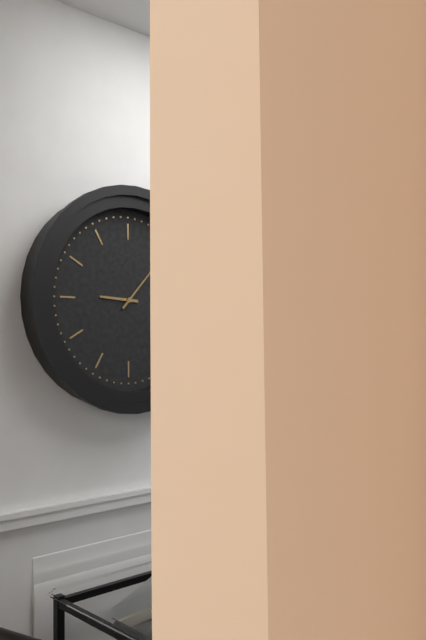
9h07
